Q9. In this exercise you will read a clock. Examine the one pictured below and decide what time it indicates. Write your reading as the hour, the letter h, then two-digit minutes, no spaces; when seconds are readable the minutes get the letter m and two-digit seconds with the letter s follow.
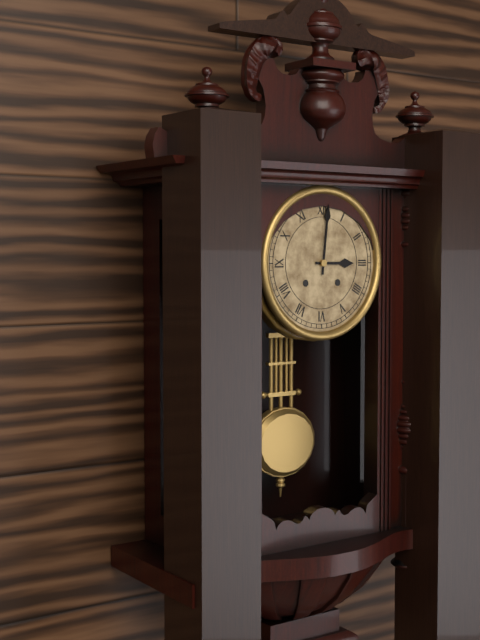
3h01
